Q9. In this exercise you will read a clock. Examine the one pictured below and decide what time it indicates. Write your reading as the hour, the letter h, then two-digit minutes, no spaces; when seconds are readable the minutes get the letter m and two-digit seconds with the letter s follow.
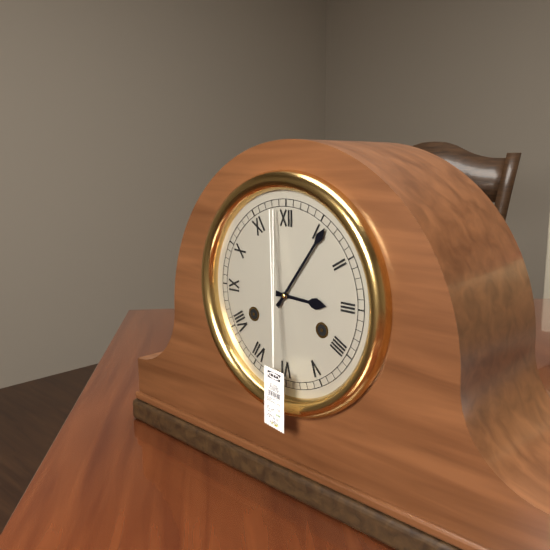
3h06
